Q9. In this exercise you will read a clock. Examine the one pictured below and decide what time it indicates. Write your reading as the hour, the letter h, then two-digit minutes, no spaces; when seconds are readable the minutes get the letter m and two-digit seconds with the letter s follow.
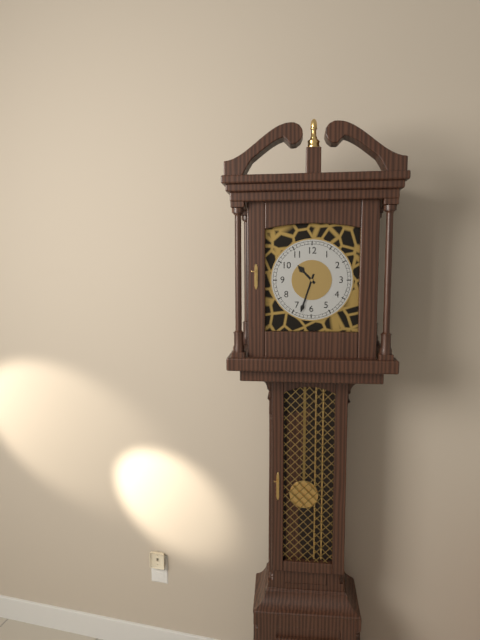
10h33
